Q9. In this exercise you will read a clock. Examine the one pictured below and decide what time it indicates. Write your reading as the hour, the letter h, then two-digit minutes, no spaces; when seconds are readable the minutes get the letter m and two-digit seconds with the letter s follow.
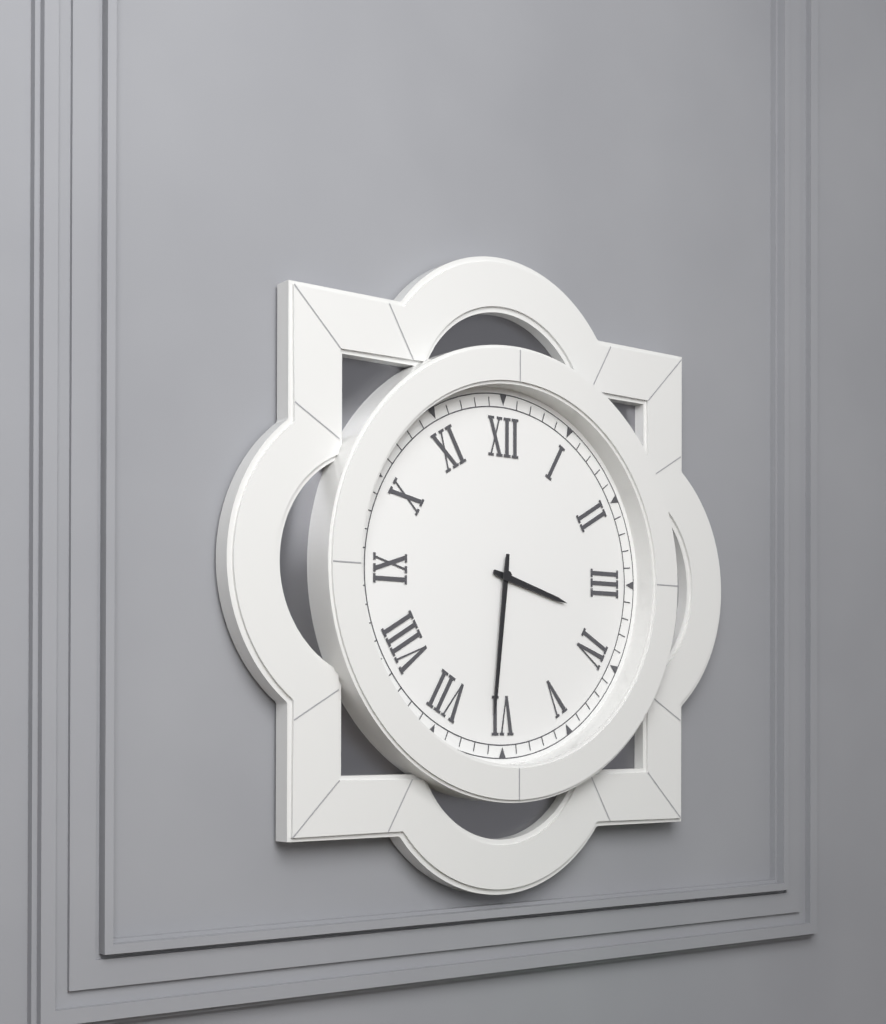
3h31
